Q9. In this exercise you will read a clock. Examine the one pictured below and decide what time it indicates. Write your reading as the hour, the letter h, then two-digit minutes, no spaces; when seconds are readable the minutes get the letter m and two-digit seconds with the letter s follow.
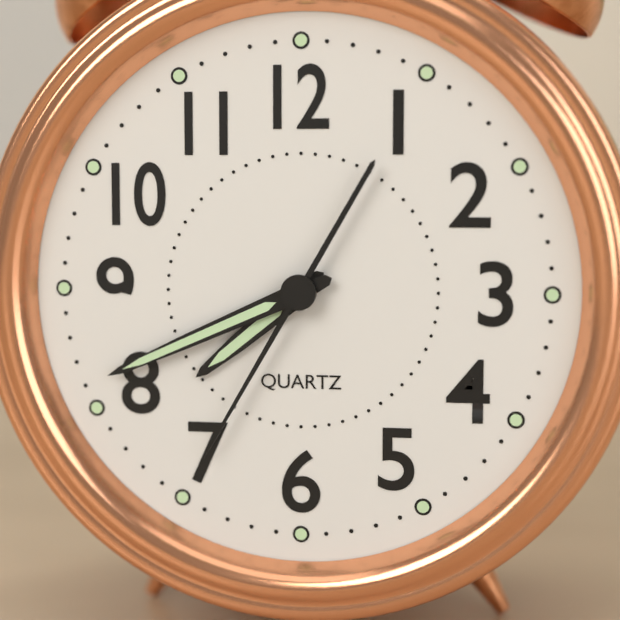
7h41m35s
